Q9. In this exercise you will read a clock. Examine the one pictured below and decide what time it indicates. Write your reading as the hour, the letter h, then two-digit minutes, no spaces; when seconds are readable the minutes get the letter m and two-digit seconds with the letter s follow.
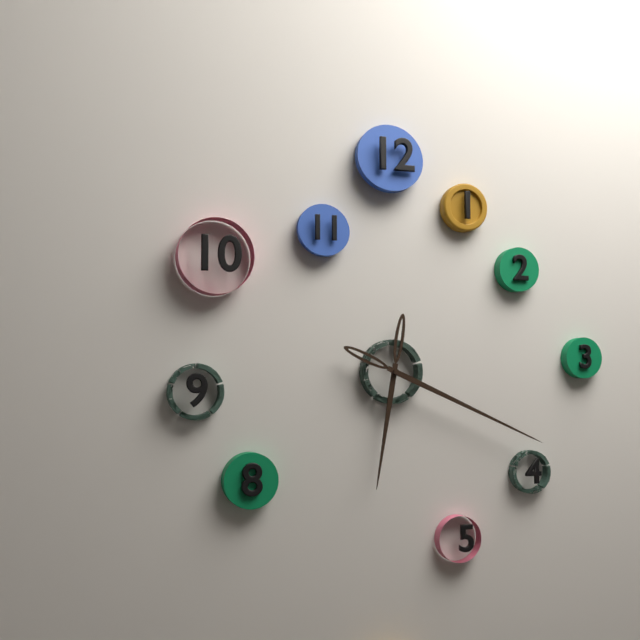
6h19
